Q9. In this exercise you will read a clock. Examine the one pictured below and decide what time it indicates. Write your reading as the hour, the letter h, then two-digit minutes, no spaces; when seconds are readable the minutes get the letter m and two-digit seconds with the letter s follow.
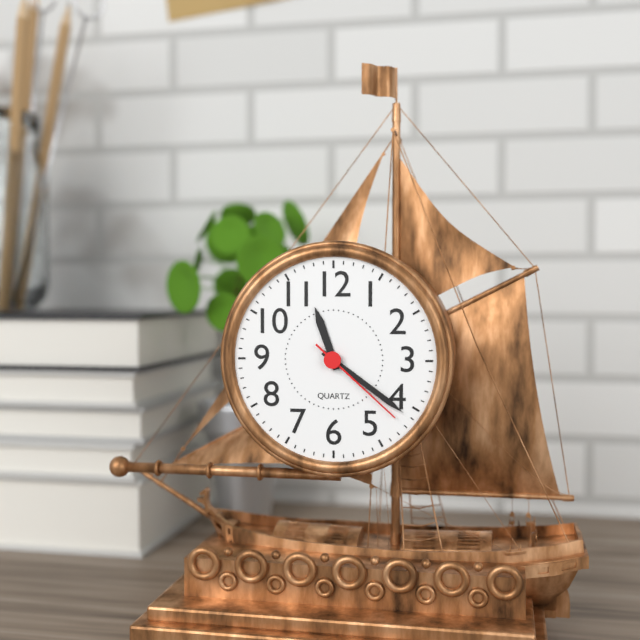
11h21m22s
